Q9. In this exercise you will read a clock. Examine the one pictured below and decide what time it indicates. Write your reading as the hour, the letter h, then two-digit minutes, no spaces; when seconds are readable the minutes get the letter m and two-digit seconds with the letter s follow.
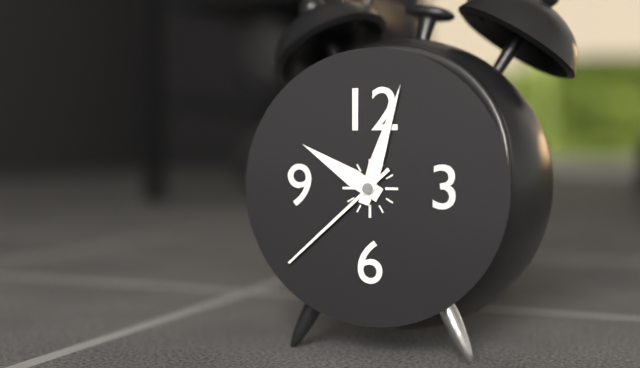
10h03m38s
